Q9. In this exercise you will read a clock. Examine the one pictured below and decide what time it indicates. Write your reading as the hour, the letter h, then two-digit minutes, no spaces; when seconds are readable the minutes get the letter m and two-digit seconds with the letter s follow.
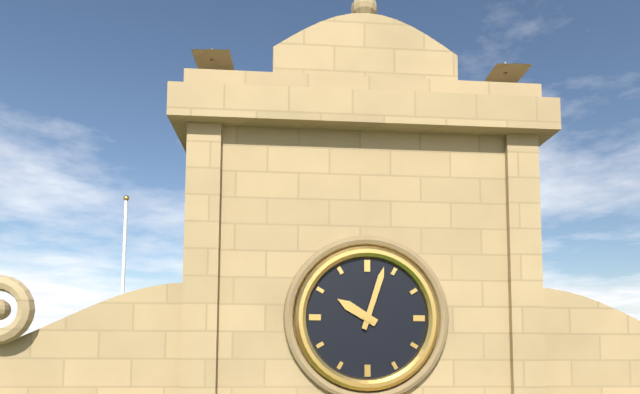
10h03
